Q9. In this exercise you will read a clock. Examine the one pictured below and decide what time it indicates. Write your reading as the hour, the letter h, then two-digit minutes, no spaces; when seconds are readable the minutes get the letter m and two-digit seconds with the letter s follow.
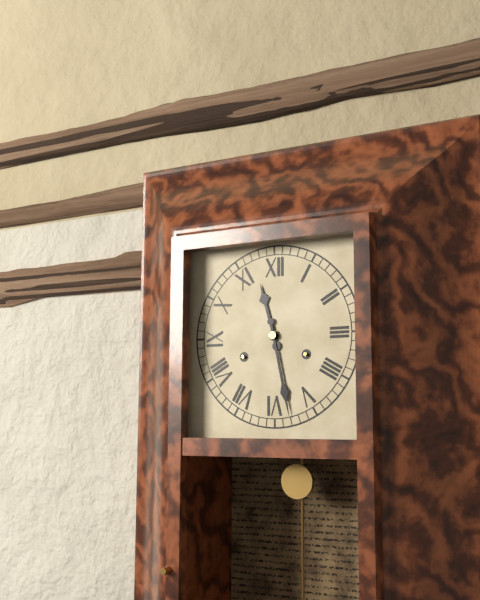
11h28
